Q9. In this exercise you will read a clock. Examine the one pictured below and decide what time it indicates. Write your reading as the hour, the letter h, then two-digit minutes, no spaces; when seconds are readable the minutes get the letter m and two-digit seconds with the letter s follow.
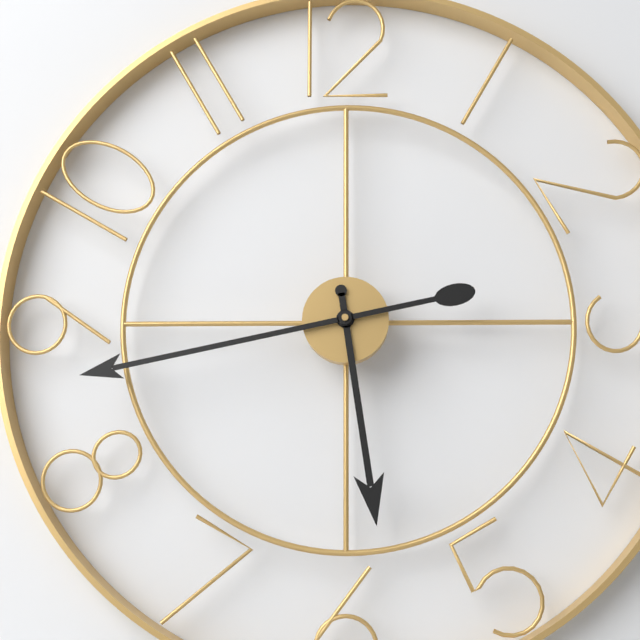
5h43
